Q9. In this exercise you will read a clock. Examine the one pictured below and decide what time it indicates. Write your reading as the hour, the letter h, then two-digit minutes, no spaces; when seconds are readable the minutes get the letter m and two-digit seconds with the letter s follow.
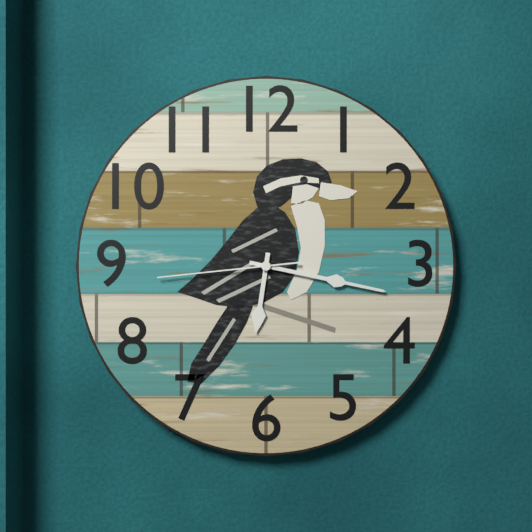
6h17m44s
